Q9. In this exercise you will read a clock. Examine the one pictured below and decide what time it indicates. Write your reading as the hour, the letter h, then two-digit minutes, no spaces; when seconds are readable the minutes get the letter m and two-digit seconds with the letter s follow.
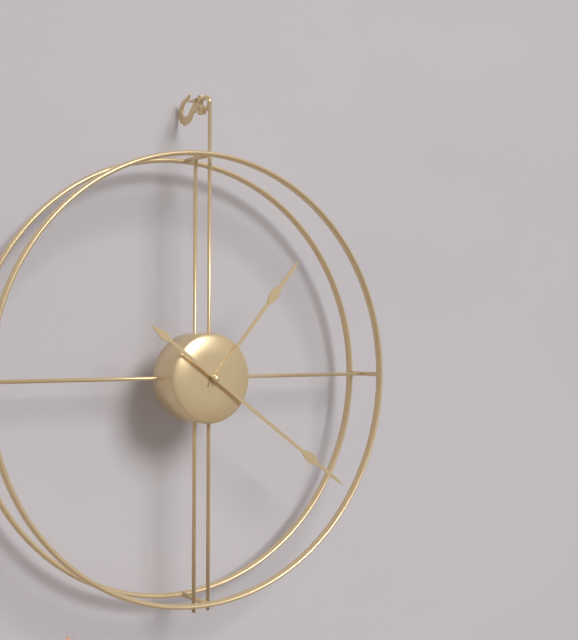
1h21
